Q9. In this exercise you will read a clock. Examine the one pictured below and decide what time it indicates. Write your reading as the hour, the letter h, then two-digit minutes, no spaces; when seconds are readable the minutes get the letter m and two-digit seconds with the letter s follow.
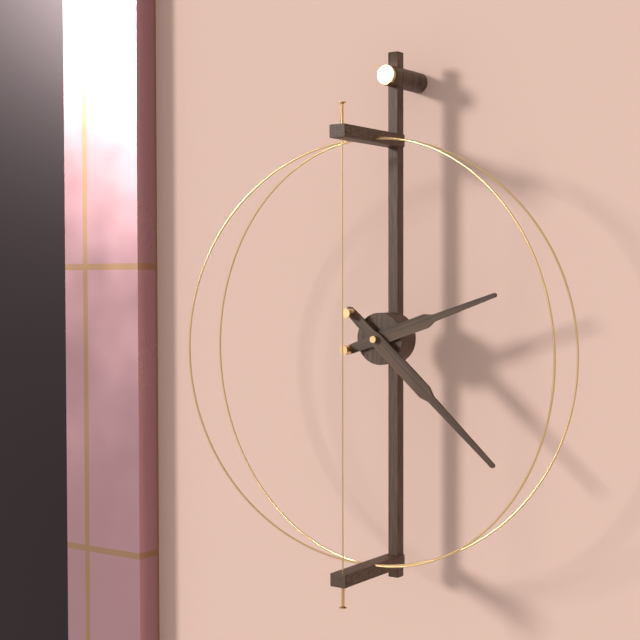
2h22
